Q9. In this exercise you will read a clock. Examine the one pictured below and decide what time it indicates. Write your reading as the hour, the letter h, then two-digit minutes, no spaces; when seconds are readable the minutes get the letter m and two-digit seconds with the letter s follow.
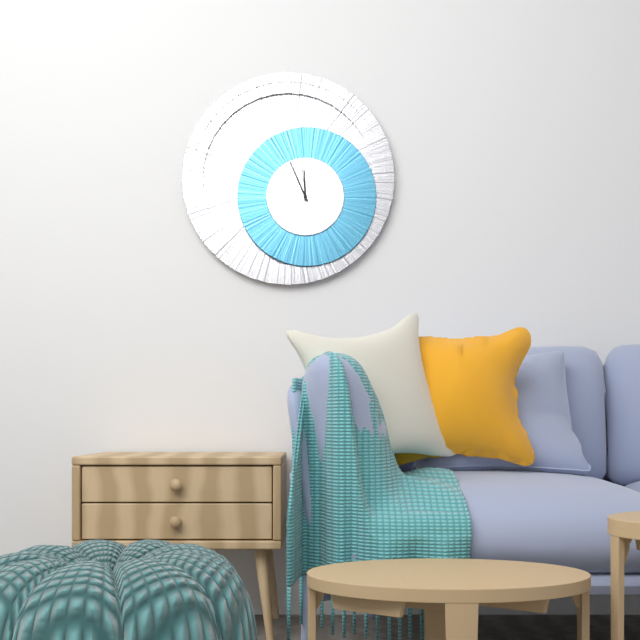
11h56
